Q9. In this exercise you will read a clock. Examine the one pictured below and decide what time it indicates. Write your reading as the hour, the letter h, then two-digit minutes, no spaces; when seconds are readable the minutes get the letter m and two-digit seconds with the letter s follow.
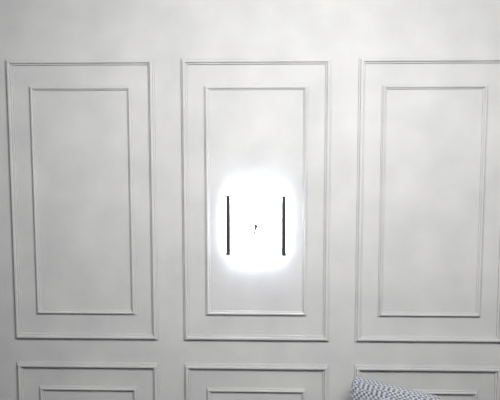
6h23
